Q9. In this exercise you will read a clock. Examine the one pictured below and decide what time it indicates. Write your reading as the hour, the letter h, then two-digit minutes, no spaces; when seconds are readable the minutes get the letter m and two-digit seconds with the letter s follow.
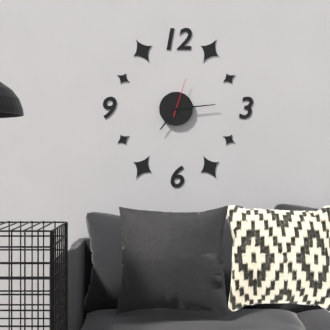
7h14
